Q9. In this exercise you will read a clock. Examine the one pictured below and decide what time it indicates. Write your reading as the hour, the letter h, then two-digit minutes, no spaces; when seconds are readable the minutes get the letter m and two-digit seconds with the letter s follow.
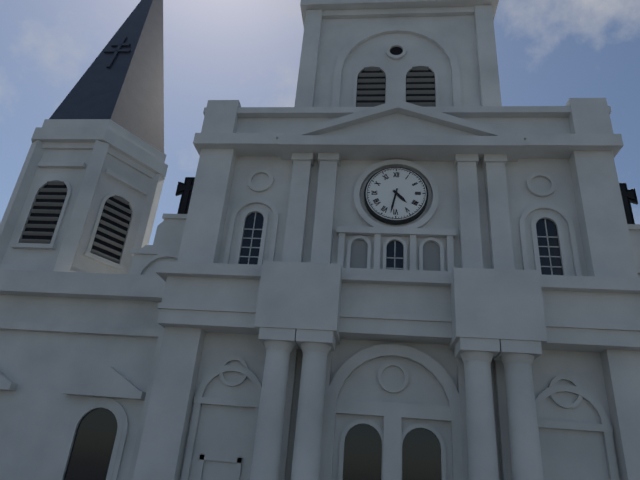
4h32
